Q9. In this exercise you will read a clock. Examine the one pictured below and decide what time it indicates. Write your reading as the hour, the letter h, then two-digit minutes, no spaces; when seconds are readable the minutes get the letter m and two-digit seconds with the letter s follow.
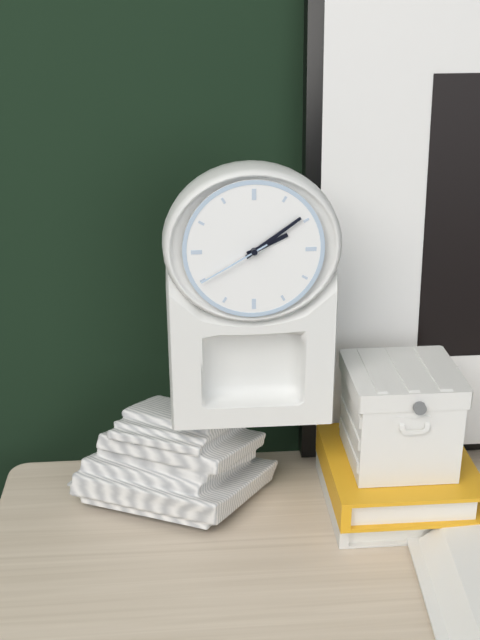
2h09m40s
